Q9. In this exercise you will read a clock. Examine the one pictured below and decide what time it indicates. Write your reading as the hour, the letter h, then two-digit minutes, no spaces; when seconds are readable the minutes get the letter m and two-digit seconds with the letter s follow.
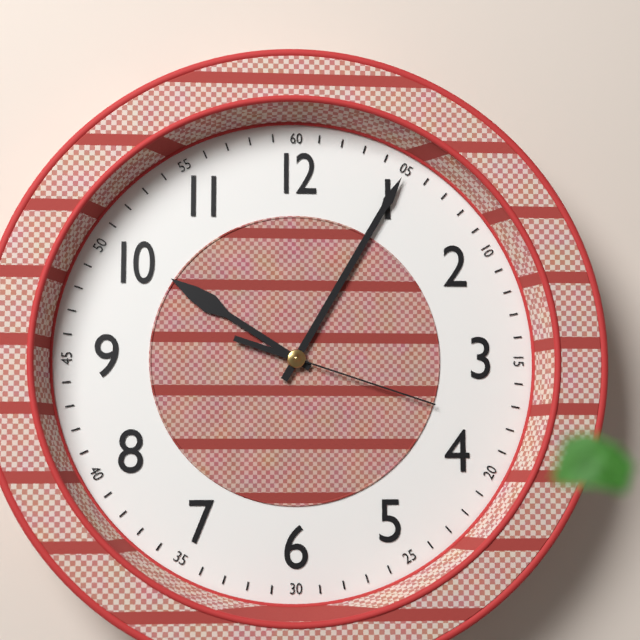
10h05m18s
